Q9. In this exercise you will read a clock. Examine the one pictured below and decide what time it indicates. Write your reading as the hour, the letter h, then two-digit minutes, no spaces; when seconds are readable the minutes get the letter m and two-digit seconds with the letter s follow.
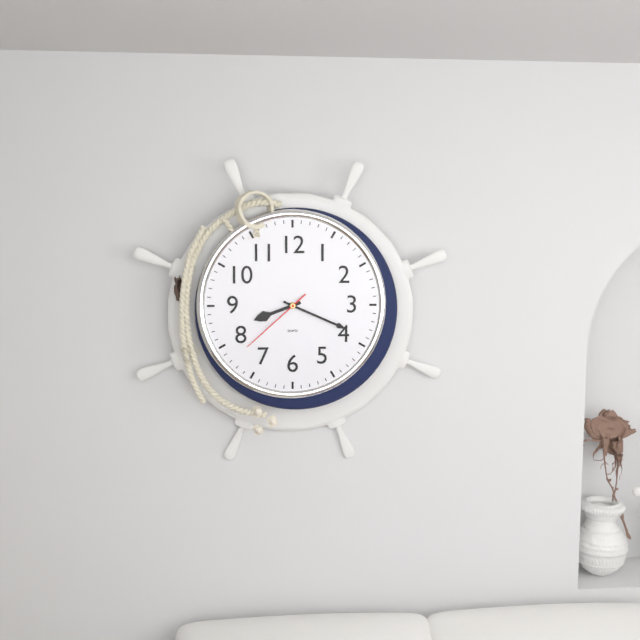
8h19m38s
